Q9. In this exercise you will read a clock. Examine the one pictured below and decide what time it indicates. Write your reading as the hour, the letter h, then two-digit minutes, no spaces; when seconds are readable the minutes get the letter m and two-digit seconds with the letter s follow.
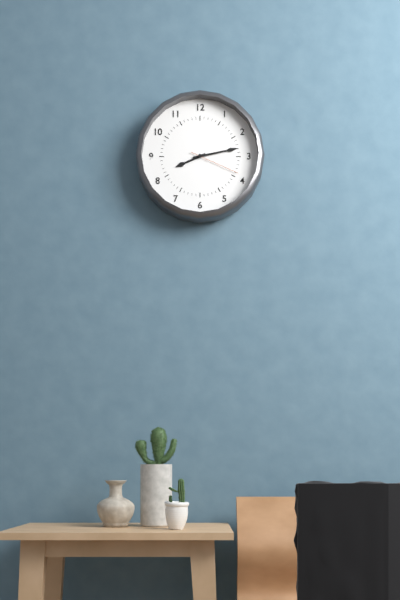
8h13m19s
